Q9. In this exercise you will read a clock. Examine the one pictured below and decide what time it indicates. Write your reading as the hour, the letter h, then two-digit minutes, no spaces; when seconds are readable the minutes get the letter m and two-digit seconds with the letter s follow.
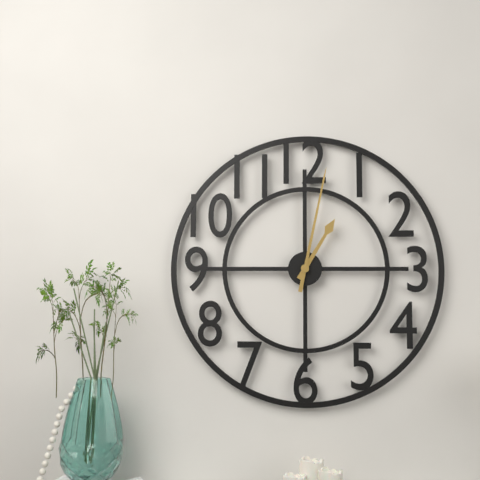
1h02
